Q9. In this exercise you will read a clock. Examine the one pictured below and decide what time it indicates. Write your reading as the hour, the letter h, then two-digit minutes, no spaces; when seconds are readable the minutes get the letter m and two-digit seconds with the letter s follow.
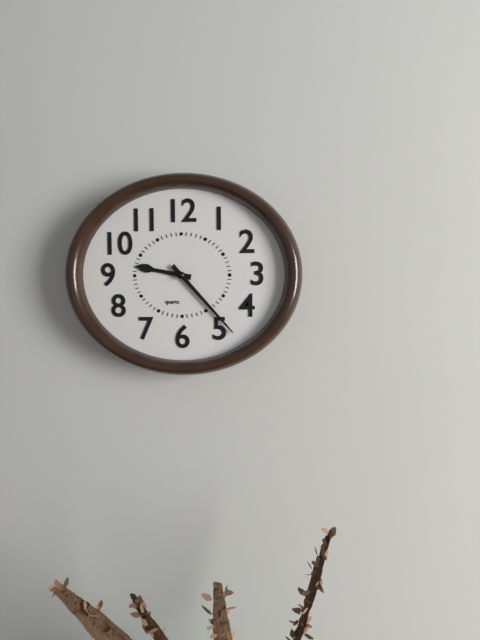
9h23
